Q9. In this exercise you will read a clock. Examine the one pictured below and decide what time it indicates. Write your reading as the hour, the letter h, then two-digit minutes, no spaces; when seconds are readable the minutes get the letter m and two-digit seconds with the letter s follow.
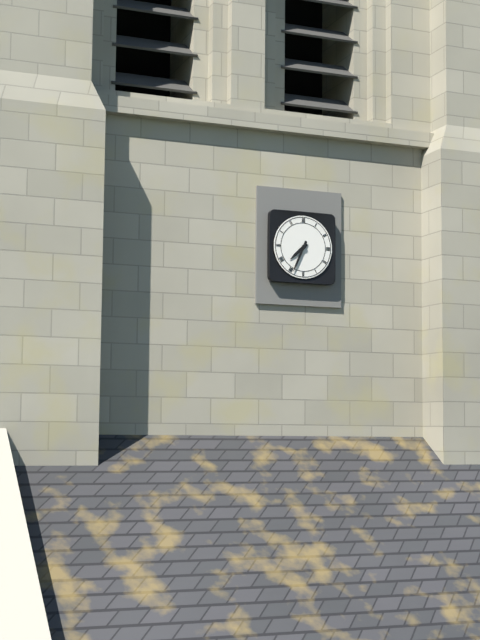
7h34
